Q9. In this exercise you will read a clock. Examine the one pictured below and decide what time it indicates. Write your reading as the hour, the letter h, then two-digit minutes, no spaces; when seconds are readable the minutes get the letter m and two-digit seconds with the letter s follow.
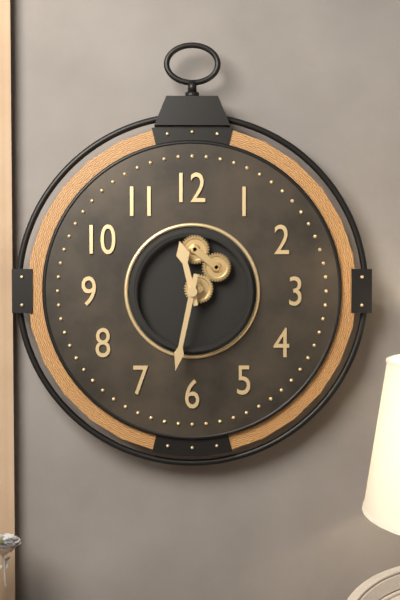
11h32
